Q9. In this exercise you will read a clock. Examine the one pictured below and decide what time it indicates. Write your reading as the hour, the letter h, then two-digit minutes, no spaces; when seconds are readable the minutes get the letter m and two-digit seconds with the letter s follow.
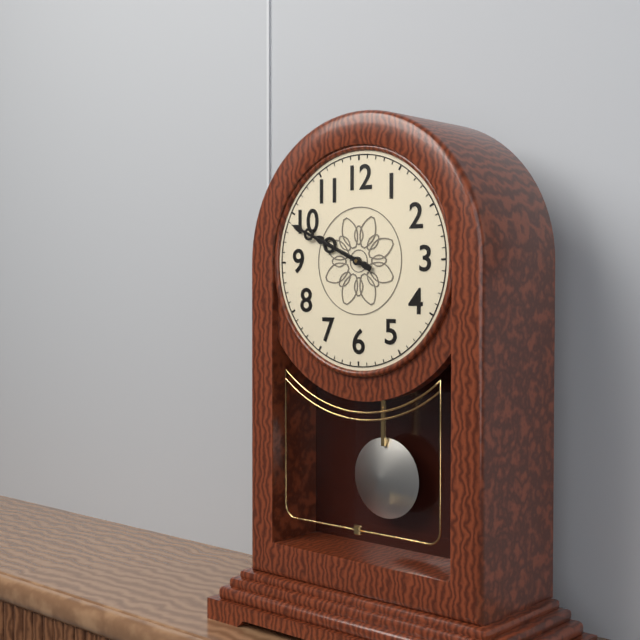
9h49
